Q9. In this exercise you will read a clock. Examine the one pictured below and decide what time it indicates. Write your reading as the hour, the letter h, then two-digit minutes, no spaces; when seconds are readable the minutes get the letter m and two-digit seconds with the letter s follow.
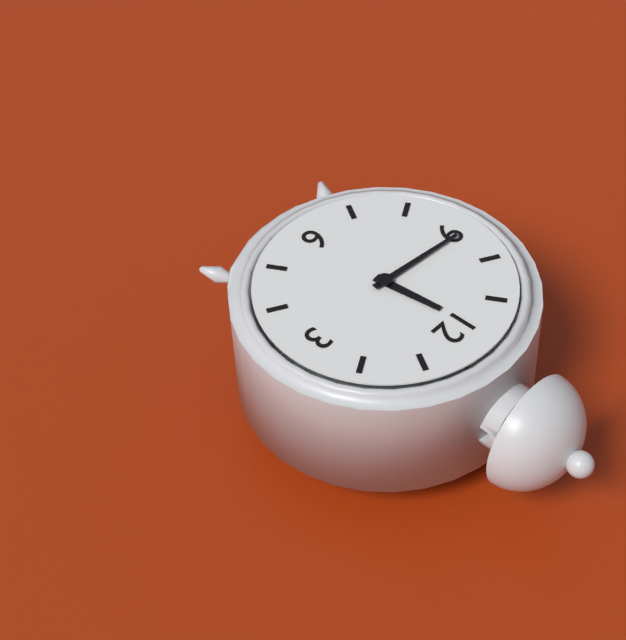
11h46
